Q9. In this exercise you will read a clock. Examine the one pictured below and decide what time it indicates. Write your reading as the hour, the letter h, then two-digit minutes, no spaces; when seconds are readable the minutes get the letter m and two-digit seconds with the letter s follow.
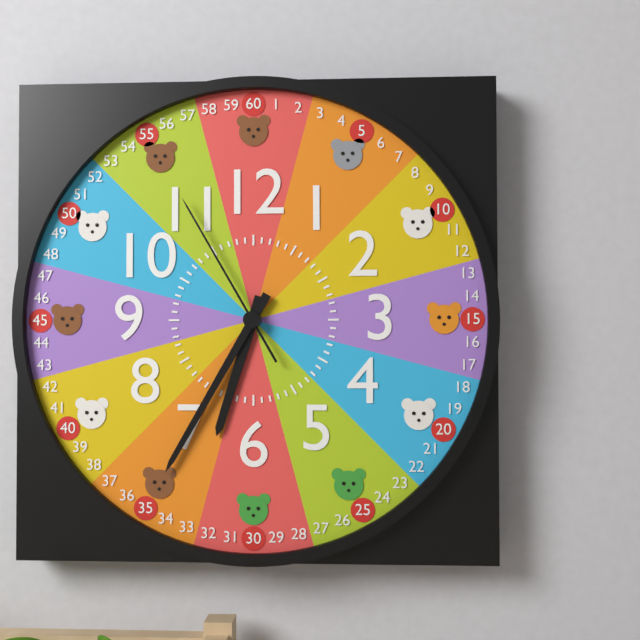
6h35m55s
